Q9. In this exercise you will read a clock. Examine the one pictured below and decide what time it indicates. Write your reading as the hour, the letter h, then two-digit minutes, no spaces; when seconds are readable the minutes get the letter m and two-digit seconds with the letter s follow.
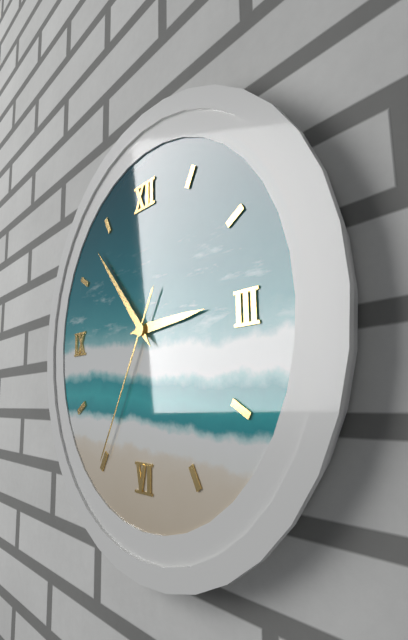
2h53m35s
